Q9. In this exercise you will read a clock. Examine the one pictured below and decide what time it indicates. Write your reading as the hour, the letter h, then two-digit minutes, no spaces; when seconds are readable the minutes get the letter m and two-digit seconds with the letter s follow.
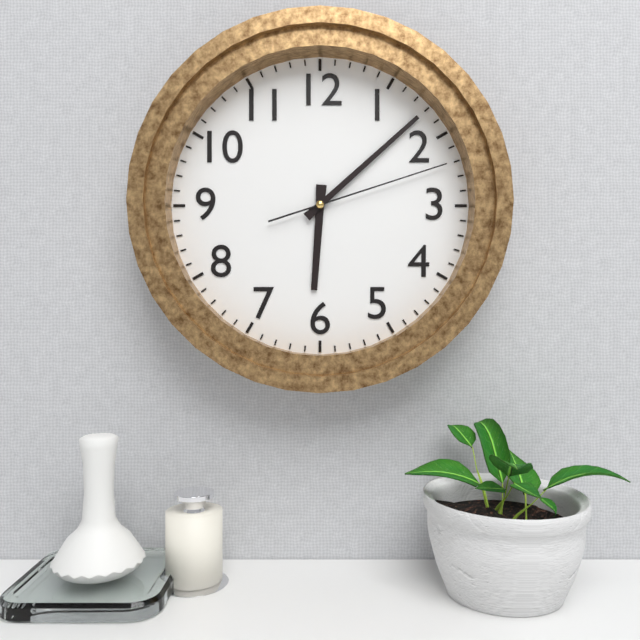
6h08m12s
